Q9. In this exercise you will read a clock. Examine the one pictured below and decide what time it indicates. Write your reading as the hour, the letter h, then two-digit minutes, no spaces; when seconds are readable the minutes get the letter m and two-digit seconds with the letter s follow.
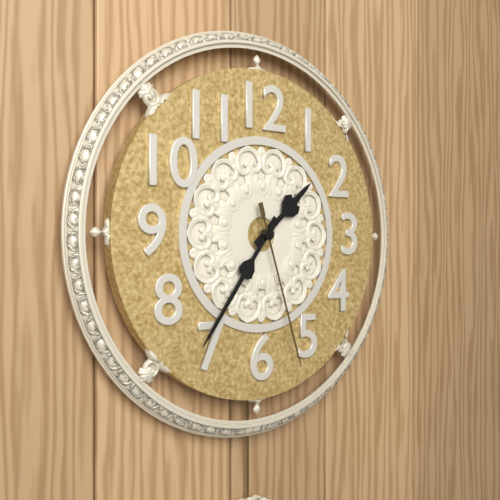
1h36m27s
